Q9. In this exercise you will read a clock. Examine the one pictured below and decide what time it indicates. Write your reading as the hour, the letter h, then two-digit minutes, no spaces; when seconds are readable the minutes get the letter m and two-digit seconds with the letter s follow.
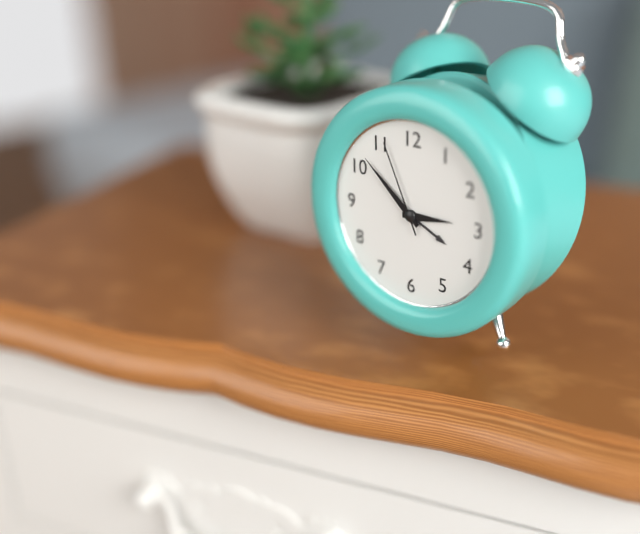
2h52m56s
